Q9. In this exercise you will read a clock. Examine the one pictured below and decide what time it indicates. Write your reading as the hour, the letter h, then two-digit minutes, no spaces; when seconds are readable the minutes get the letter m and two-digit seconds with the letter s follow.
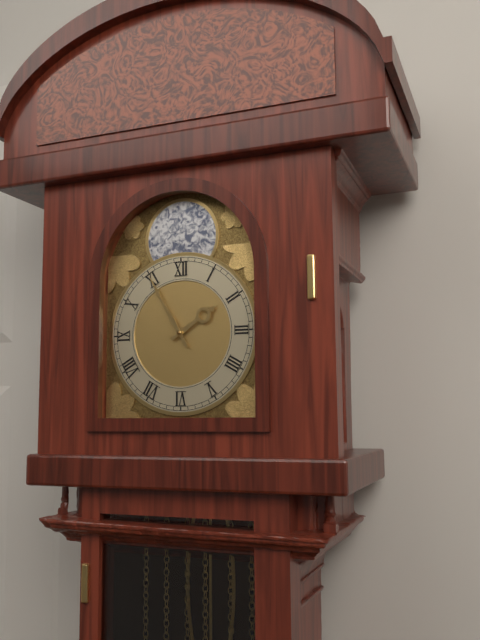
1h55
